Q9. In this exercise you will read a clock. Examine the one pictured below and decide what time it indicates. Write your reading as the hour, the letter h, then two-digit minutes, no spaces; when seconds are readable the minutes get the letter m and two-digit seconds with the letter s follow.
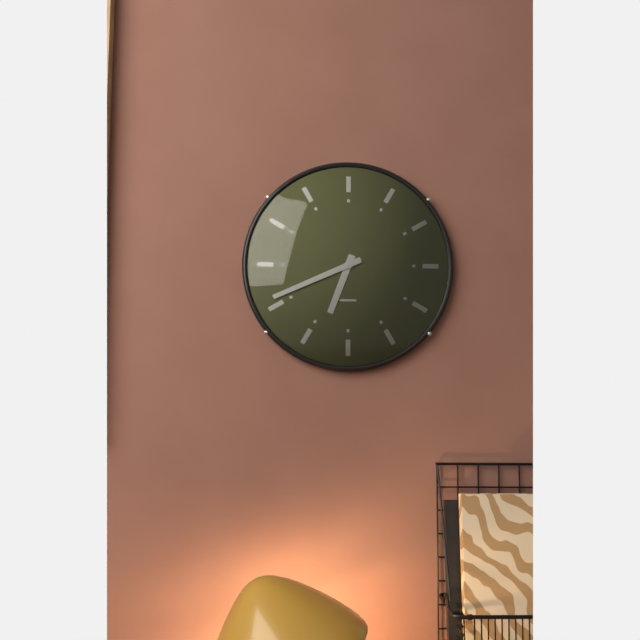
6h41
